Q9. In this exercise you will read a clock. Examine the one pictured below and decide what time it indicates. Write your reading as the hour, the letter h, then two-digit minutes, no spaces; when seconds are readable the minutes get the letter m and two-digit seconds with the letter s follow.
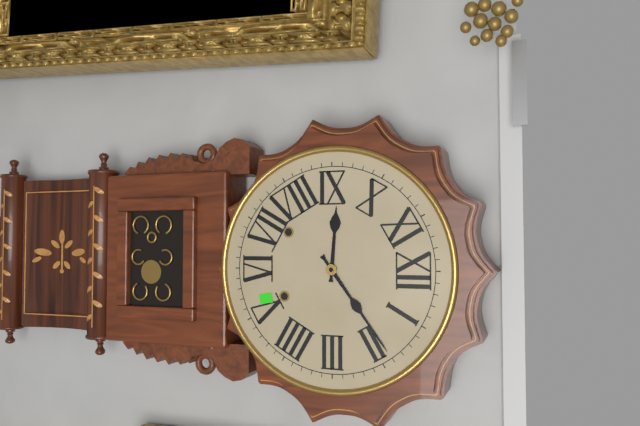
9h09
